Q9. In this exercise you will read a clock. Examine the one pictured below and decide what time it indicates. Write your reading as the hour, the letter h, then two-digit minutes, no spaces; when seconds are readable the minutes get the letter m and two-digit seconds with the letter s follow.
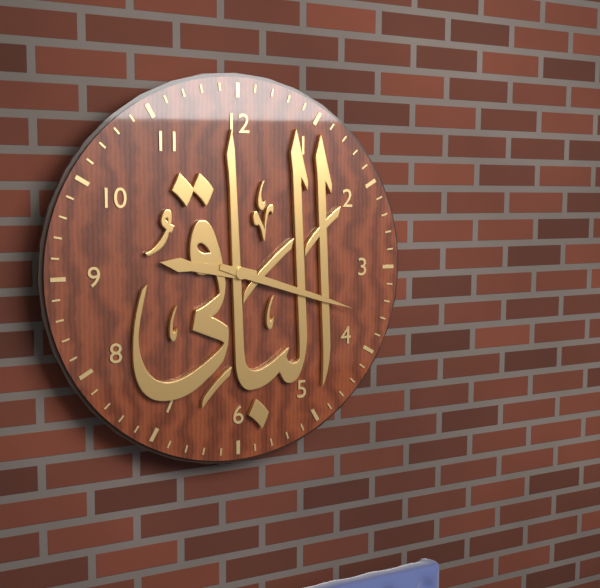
9h18
